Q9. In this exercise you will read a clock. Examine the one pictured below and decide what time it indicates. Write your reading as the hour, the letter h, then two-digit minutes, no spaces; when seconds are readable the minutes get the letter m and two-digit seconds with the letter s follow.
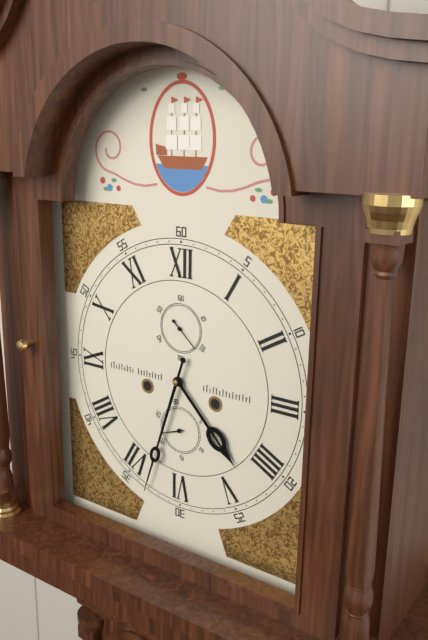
4h33
